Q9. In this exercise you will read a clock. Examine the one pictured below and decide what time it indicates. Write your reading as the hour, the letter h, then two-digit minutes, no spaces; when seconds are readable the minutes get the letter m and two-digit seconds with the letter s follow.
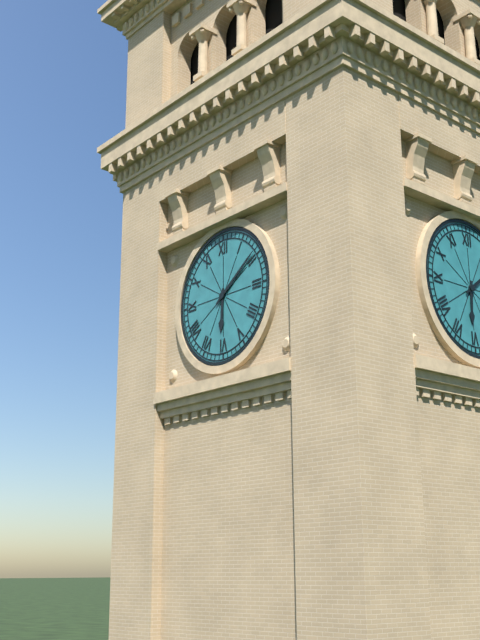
6h09
